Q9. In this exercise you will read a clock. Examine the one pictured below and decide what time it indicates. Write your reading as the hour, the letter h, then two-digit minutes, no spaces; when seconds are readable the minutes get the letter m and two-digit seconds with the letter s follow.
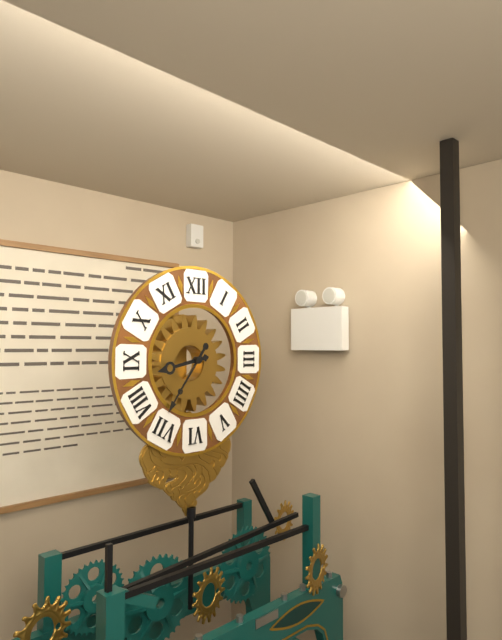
8h36
